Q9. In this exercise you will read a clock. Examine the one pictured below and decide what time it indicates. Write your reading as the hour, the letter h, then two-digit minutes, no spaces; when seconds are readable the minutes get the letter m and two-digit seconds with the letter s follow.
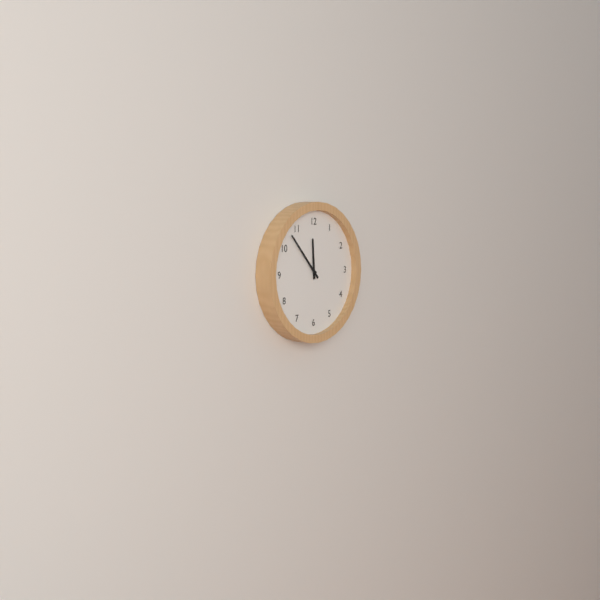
11h53
